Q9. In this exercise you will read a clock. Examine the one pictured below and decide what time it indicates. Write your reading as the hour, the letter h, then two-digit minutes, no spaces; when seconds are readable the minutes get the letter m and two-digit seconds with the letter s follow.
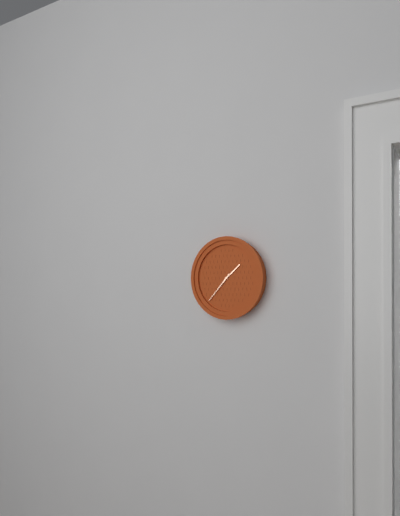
1h37
